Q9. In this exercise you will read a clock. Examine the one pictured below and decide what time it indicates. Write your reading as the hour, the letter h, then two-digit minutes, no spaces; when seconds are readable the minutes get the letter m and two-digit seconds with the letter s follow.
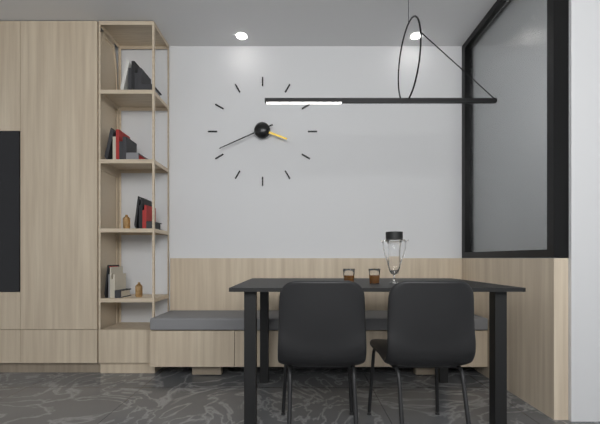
3h41
